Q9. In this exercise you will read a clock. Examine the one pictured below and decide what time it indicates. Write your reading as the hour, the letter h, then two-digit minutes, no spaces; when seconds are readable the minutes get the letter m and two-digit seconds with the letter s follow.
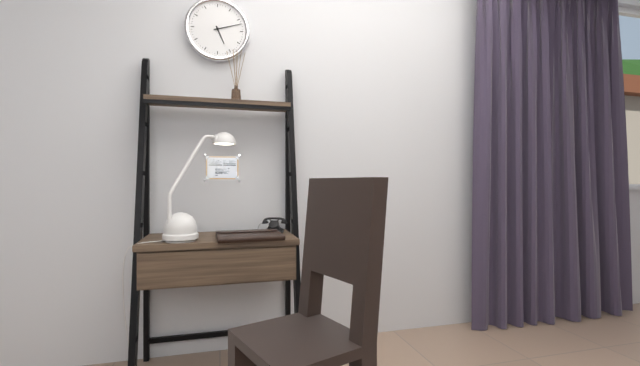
5h12
